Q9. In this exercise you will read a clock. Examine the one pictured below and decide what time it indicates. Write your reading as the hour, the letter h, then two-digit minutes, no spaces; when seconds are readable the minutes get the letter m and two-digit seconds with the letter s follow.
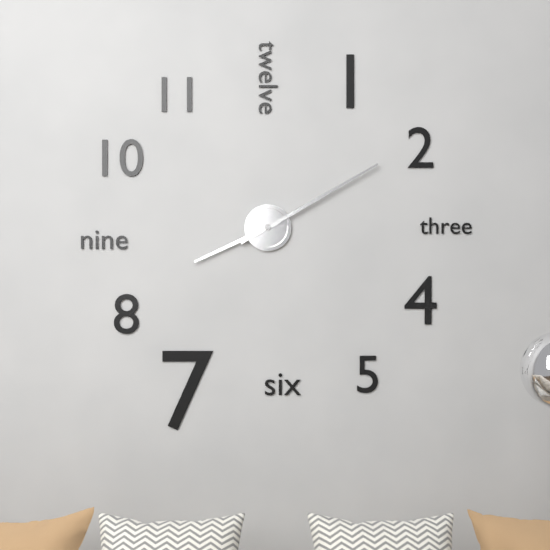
8h10
